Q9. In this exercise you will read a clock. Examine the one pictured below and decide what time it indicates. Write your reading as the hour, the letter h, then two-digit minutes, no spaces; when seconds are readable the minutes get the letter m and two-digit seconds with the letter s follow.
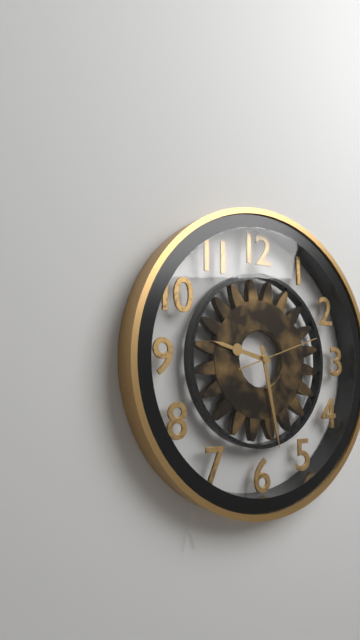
9h28m12s
